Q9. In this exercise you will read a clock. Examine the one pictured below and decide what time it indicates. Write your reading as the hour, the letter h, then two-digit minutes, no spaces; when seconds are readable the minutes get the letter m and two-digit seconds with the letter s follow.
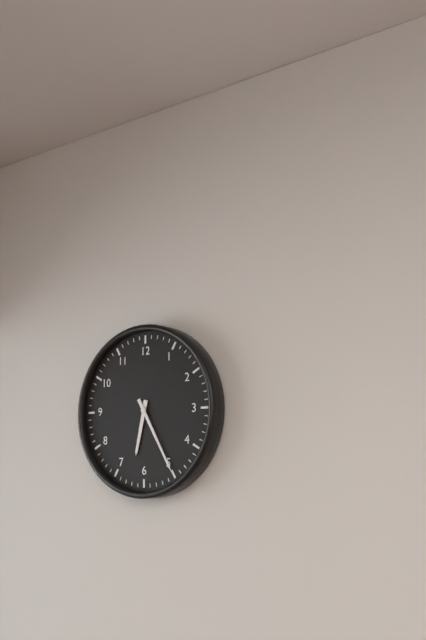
6h25
